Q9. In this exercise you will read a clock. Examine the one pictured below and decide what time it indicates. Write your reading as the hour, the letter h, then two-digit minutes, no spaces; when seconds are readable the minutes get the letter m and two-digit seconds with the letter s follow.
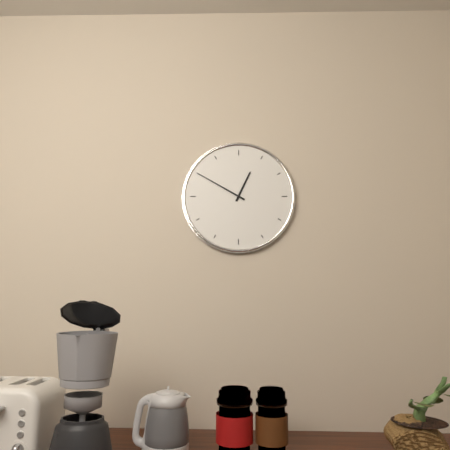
12h50
